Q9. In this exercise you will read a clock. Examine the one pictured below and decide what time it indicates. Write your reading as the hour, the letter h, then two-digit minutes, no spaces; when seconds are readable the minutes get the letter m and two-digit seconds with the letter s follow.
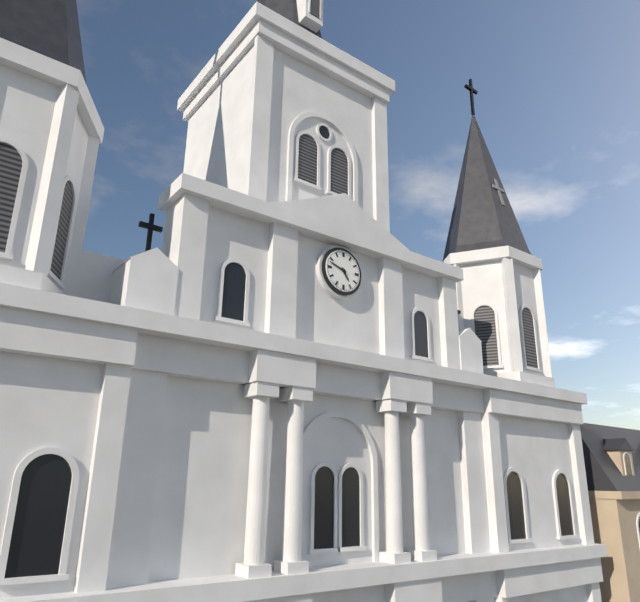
4h48
